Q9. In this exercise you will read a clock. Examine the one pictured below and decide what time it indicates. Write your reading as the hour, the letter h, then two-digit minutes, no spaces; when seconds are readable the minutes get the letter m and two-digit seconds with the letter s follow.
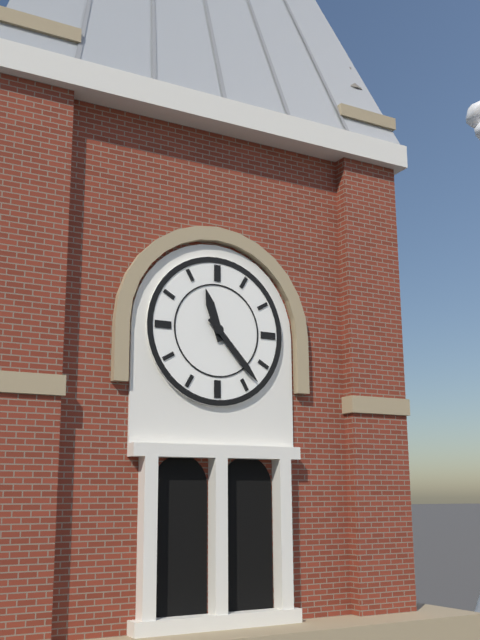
11h23
